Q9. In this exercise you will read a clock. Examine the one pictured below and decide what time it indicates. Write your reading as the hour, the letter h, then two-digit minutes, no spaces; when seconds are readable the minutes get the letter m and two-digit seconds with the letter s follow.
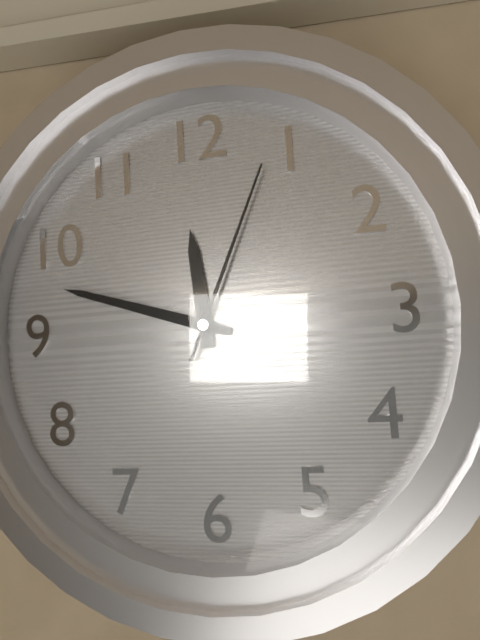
11h48m04s
